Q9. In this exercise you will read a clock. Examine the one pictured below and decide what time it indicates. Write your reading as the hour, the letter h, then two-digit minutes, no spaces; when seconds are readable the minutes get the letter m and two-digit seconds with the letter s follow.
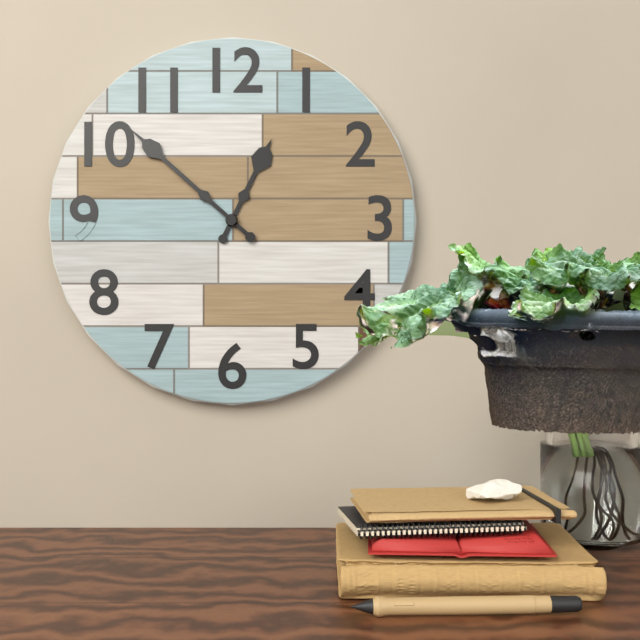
12h52
